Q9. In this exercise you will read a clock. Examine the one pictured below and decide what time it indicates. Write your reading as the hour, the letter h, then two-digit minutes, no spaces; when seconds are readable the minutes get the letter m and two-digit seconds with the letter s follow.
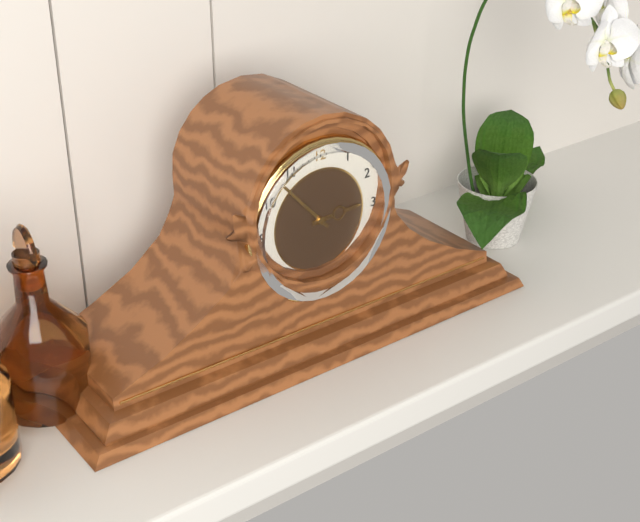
2h53
